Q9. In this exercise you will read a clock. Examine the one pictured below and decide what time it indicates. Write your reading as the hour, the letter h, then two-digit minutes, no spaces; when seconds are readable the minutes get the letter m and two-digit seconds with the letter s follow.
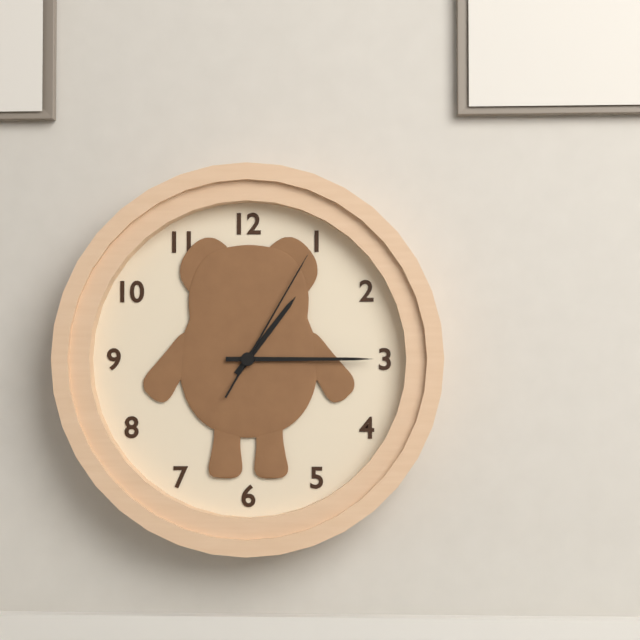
1h15m05s
